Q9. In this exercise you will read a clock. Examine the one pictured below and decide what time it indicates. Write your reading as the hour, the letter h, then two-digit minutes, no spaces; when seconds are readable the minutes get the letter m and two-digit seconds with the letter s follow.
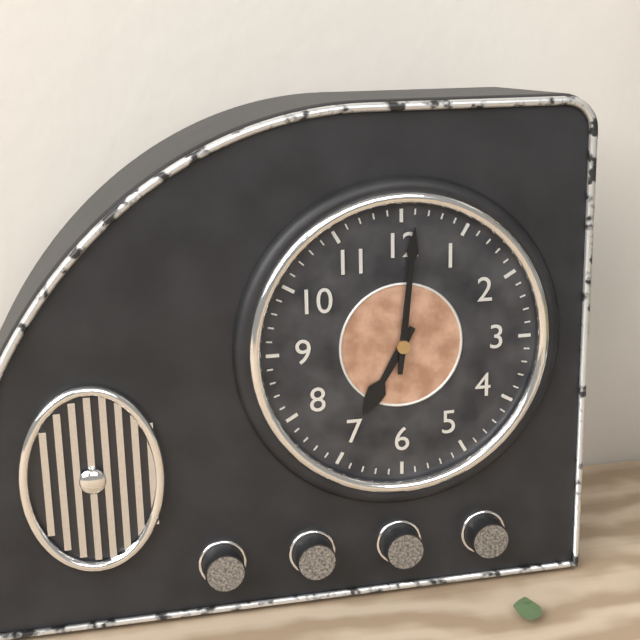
7h01
